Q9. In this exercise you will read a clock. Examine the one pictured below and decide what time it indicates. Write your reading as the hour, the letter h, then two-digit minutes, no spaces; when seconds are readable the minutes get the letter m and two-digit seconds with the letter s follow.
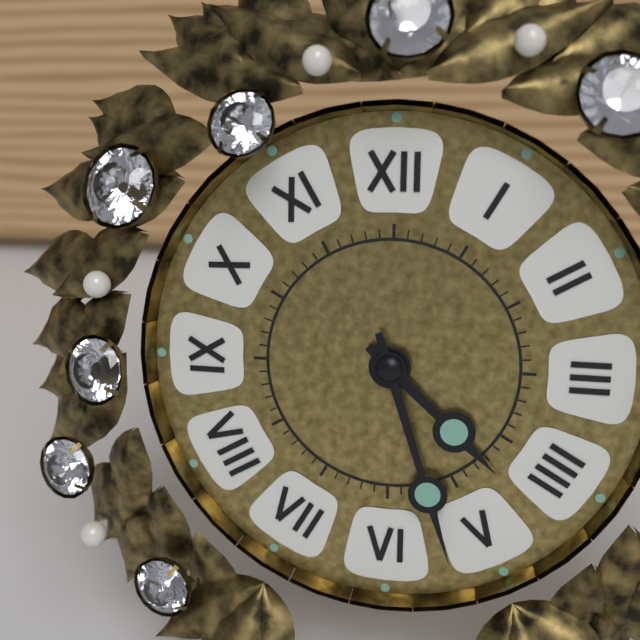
4h27
